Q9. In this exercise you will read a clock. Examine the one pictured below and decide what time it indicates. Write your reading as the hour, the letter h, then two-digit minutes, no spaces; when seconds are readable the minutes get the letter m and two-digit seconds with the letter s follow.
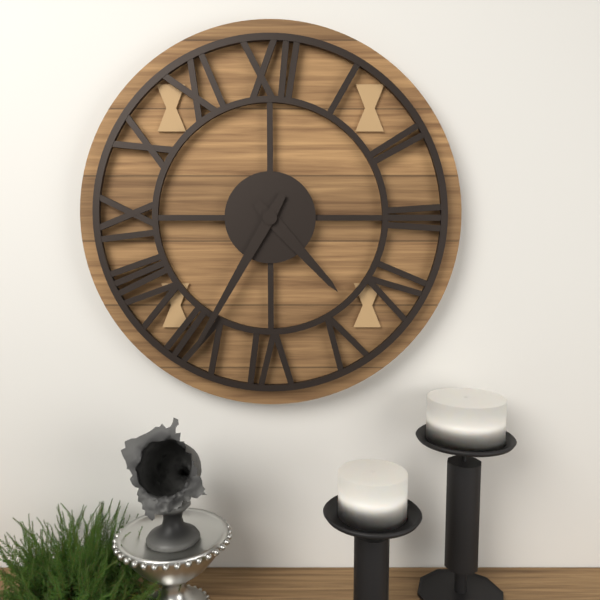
4h35
